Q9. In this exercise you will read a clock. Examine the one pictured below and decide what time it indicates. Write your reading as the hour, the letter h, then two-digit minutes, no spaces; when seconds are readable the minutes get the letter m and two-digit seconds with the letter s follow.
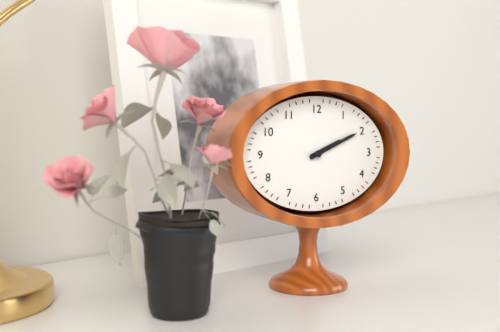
2h11
